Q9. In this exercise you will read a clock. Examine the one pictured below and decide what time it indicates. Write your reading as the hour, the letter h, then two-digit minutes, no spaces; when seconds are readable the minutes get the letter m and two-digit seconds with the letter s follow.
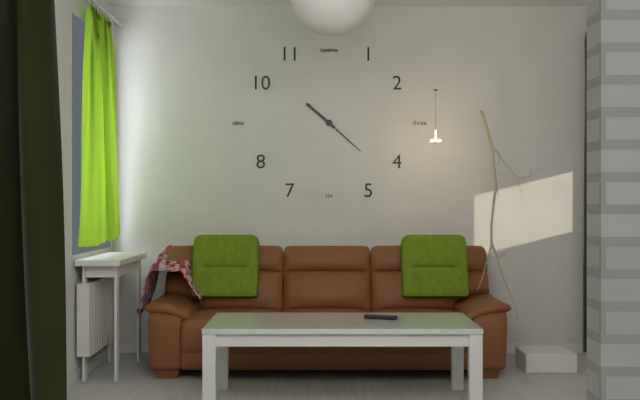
10h22
